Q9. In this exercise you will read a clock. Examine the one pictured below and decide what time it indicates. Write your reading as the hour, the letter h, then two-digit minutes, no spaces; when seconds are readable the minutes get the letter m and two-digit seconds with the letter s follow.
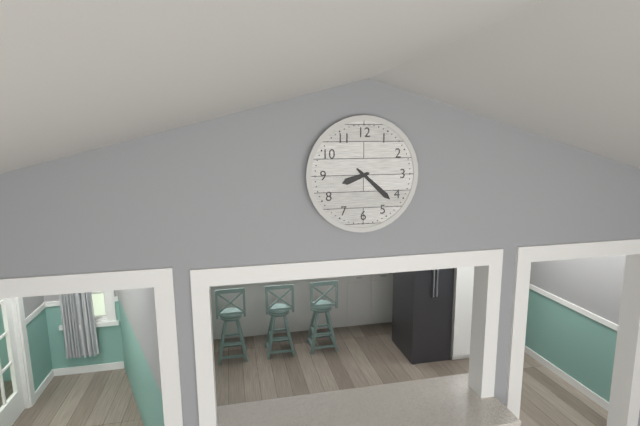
8h22
